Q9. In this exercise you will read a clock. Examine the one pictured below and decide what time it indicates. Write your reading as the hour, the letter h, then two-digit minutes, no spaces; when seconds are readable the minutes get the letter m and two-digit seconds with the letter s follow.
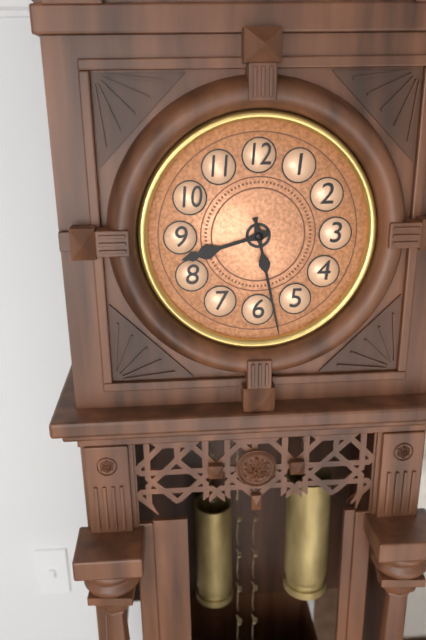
8h28
